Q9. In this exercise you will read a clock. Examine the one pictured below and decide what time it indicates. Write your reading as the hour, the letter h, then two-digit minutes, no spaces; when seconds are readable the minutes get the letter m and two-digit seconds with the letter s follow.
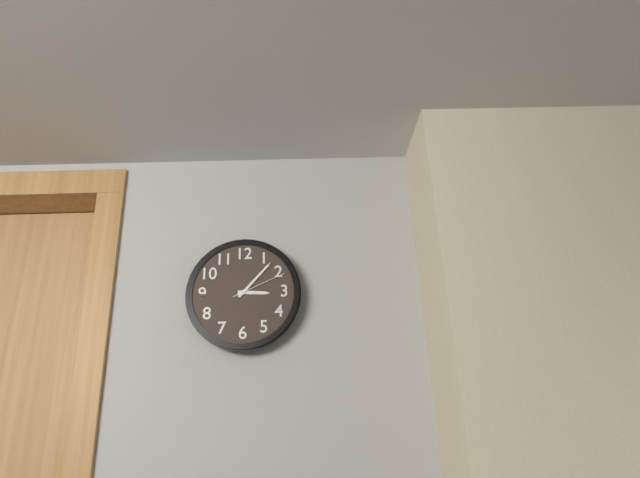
3h07m11s
